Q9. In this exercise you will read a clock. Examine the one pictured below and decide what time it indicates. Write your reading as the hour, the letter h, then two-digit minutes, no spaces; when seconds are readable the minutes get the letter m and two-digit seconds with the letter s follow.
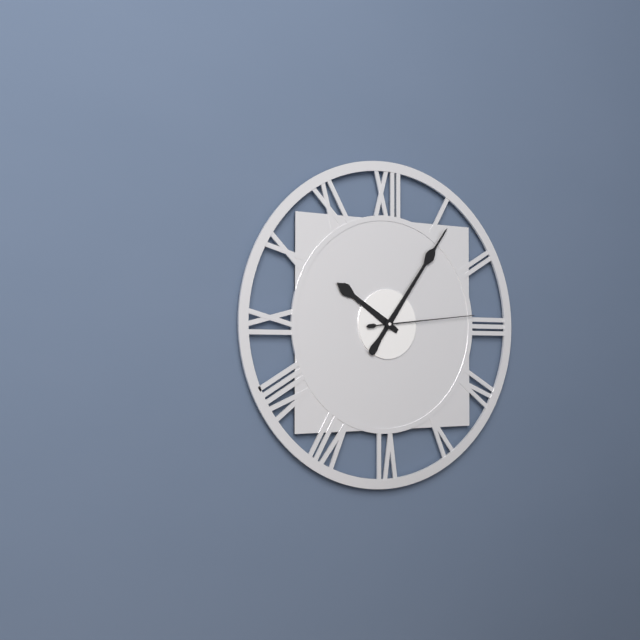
10h06m14s
